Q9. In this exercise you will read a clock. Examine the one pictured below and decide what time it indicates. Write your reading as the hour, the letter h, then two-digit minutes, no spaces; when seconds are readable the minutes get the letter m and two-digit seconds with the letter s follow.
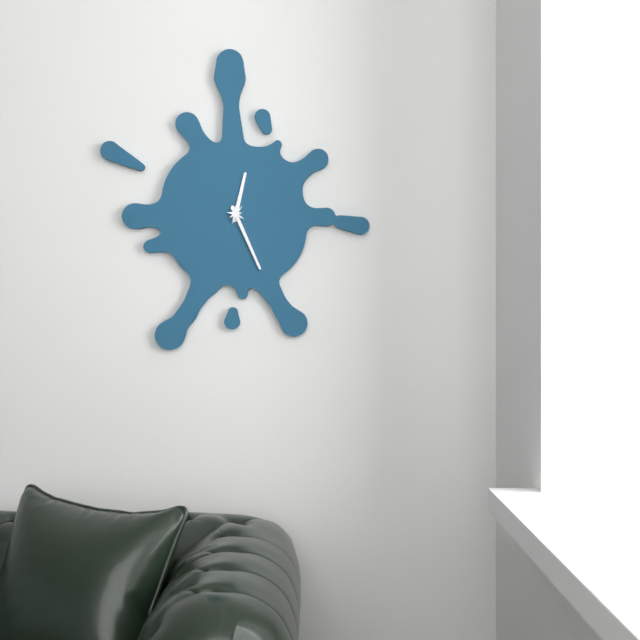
12h26
